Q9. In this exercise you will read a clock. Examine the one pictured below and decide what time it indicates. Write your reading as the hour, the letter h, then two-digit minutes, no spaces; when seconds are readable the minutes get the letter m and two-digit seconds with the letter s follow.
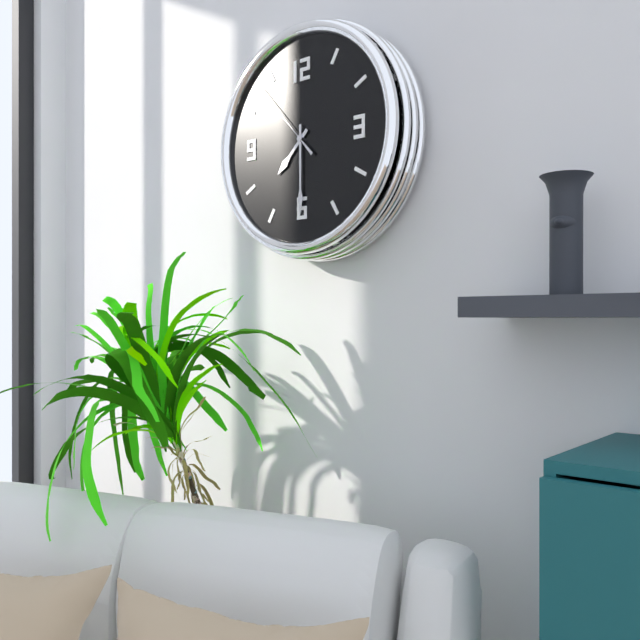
7h30m53s
